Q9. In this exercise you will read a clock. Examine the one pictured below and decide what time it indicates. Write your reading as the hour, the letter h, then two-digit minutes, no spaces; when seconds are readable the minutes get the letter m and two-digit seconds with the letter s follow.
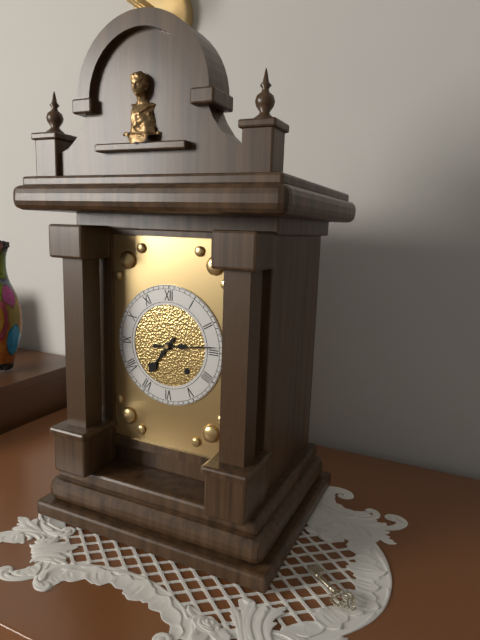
7h14
